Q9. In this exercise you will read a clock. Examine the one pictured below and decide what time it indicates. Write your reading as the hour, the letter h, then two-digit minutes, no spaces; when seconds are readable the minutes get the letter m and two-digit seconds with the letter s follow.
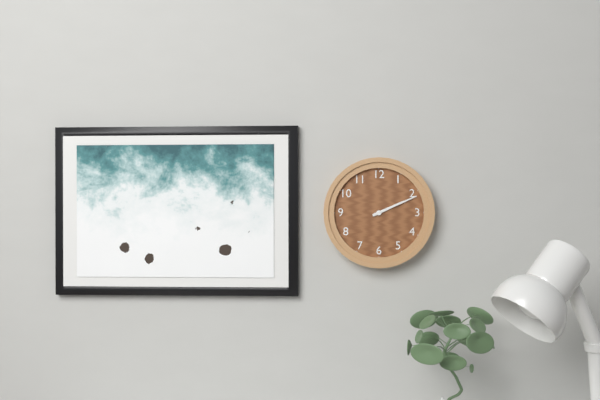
2h11
